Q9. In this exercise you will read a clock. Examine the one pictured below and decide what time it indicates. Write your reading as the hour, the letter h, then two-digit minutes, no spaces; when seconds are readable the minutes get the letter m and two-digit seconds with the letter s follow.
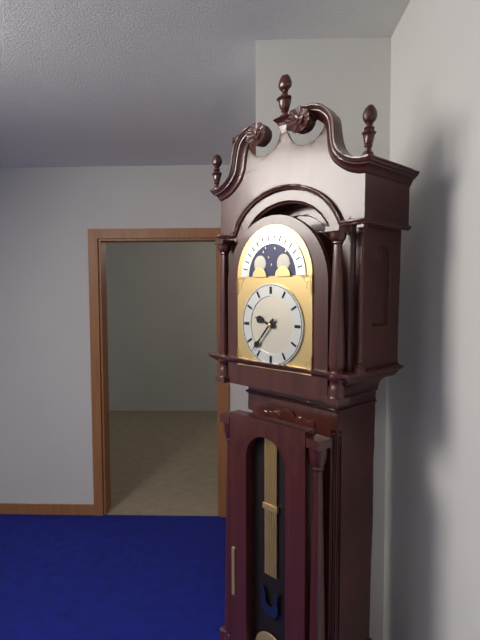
9h37
